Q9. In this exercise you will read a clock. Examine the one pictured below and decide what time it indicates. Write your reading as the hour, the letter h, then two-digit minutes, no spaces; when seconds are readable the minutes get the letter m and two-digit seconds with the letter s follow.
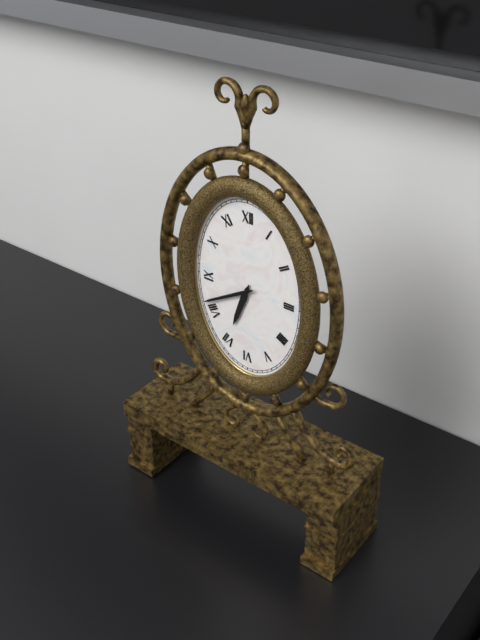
6h40
